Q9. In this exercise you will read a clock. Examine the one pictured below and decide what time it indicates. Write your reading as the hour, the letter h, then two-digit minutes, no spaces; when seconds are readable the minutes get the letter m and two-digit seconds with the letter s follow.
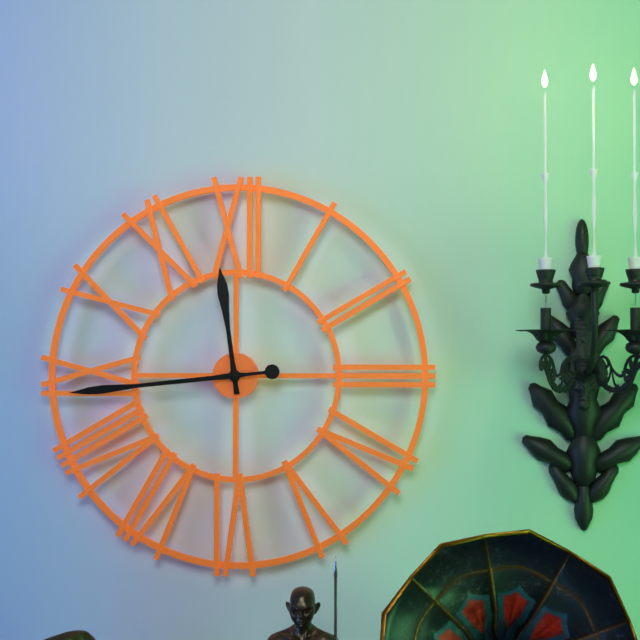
11h44
